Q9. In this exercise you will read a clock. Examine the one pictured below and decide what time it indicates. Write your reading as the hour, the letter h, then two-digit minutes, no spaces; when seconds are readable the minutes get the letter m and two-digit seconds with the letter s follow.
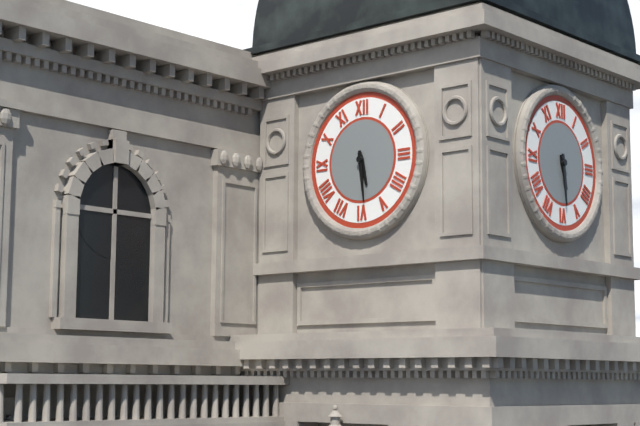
5h29
